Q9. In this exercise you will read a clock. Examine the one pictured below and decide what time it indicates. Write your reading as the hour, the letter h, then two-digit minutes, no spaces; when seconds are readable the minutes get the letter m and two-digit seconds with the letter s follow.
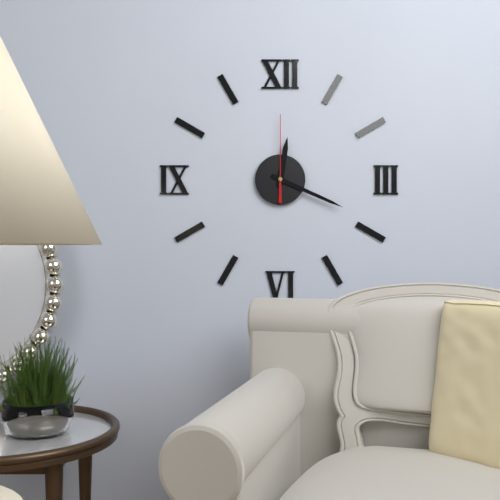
12h19m00s
